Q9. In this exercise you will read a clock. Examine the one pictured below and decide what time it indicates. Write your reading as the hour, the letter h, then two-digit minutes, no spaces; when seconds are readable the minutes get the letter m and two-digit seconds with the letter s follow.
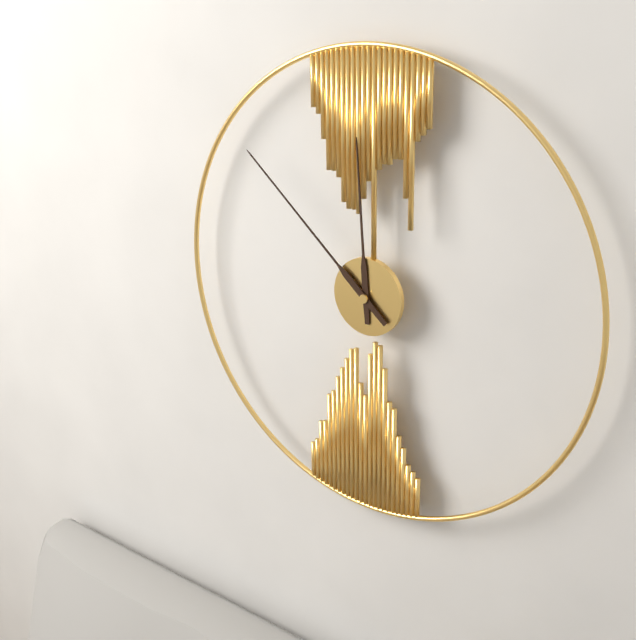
11h52
